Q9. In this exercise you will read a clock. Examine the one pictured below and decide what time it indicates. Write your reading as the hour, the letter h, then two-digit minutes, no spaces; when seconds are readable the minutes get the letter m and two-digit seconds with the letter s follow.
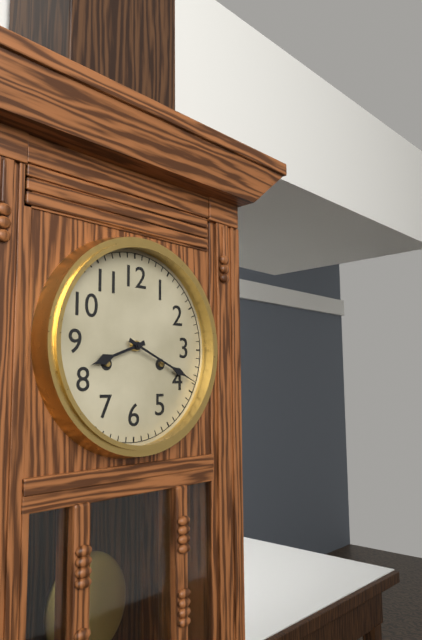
8h19
